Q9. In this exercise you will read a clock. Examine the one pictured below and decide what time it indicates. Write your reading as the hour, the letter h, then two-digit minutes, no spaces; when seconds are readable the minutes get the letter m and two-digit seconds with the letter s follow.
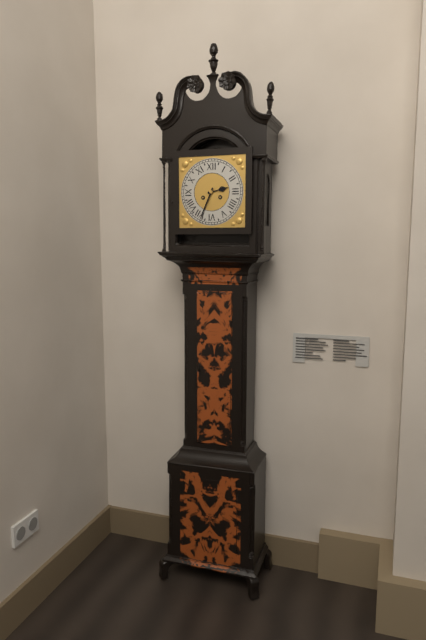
2h34
